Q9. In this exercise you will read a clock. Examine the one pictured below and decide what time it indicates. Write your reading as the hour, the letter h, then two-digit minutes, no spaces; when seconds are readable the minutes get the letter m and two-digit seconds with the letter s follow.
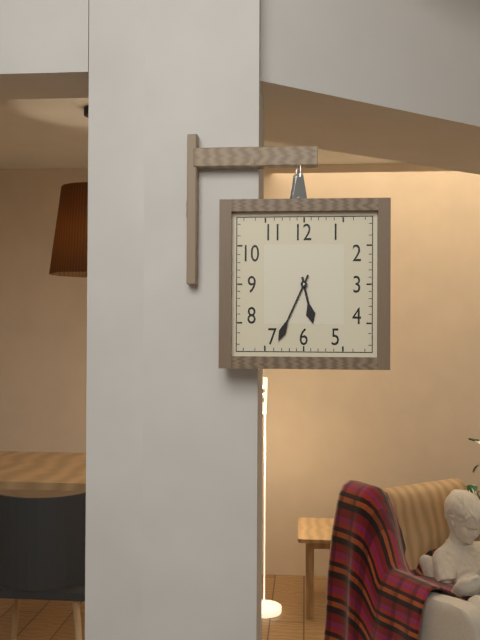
5h34
